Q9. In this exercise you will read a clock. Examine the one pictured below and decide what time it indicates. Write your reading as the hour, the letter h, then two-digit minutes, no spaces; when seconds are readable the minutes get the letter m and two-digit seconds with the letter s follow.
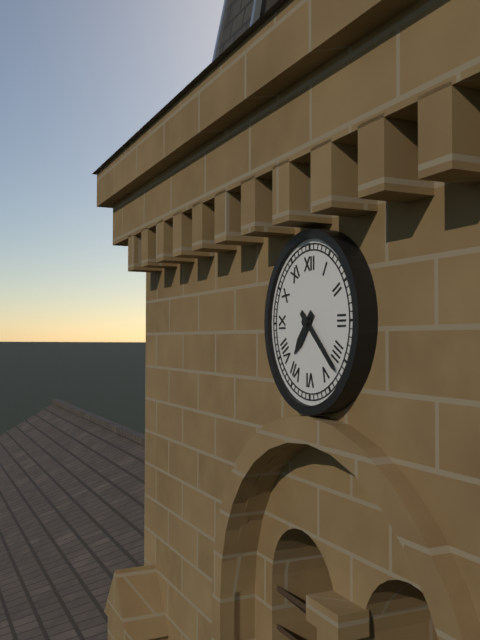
7h22
